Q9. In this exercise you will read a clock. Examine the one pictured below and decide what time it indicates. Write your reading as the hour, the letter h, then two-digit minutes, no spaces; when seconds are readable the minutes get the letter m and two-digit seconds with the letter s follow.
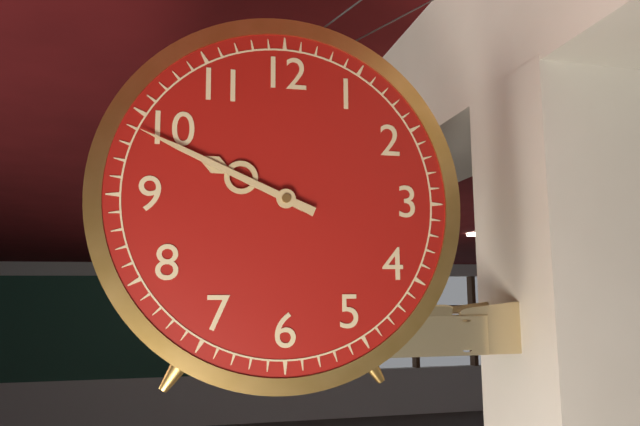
9h49
